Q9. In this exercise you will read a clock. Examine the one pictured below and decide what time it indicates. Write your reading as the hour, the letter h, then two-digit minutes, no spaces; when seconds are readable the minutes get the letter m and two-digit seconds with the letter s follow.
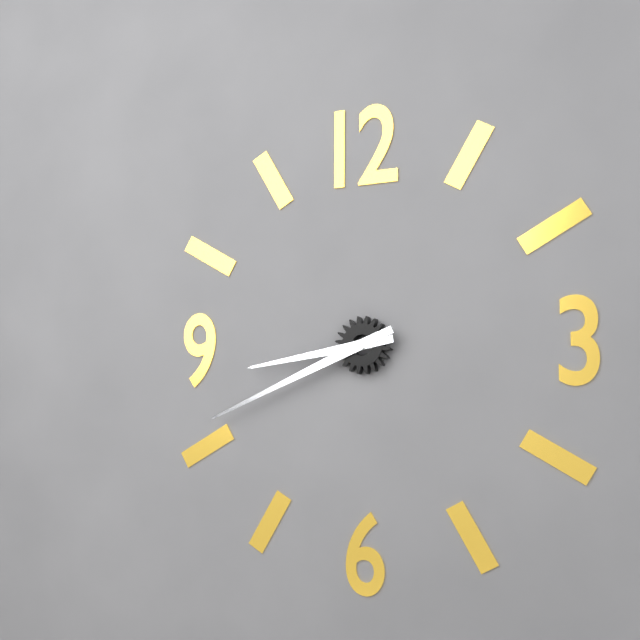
8h41
